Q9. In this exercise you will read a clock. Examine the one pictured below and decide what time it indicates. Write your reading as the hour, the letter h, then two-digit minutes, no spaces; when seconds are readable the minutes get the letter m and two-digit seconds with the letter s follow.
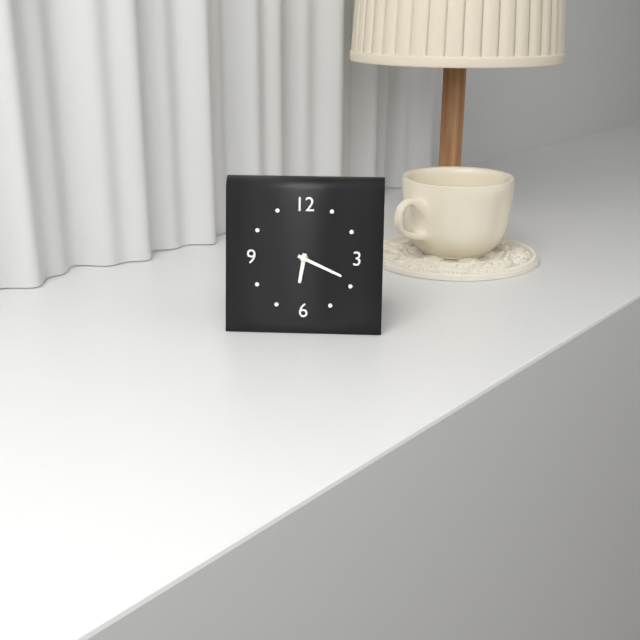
6h19
